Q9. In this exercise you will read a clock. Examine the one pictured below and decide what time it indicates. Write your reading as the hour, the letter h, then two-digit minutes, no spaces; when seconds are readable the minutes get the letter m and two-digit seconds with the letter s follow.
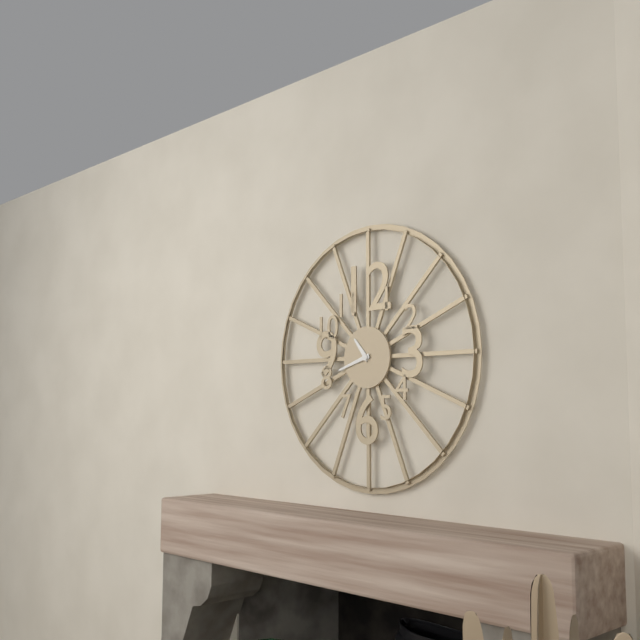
10h42
